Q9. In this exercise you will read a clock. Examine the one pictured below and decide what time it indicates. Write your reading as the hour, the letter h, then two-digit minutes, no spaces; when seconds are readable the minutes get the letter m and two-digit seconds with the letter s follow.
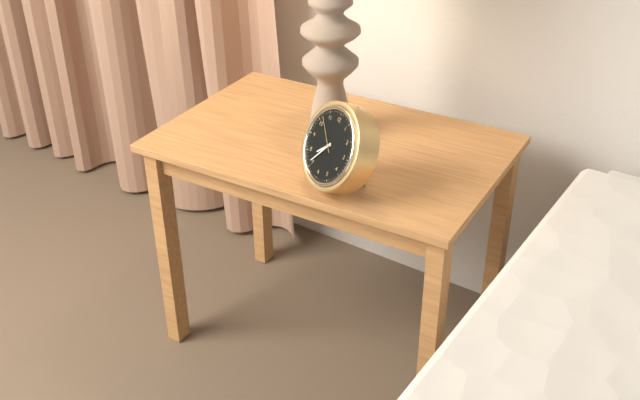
7h36
